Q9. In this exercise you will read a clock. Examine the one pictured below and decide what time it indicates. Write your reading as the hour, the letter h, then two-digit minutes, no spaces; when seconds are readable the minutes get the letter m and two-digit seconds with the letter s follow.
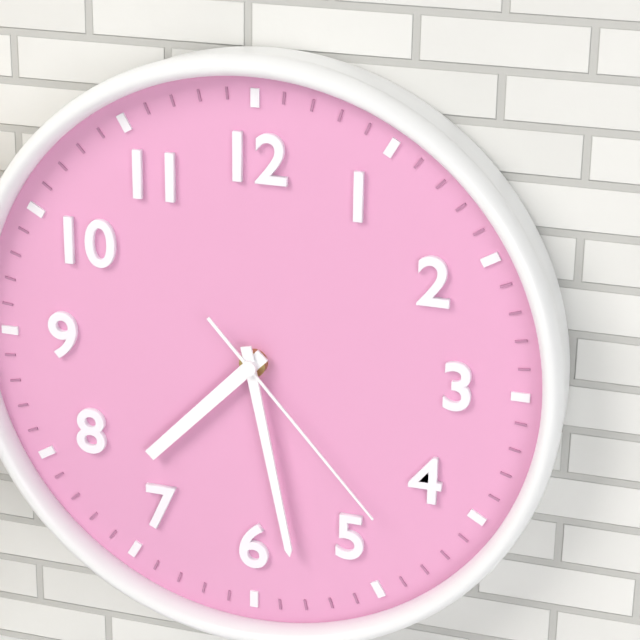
7h28m23s
